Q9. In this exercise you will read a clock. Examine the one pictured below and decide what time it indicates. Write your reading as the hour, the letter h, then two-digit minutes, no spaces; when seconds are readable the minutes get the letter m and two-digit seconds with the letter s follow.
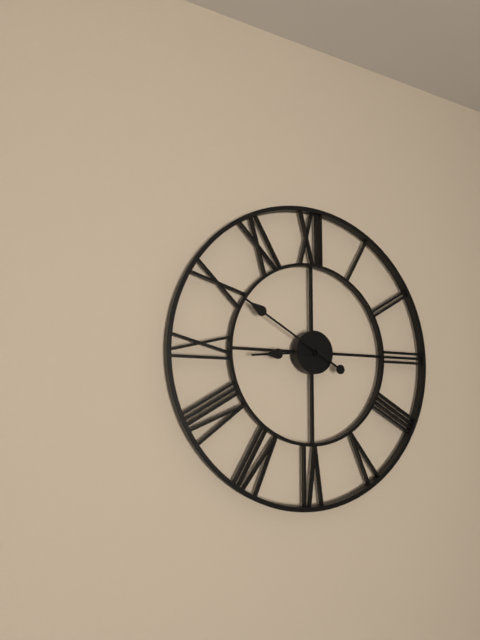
8h50
